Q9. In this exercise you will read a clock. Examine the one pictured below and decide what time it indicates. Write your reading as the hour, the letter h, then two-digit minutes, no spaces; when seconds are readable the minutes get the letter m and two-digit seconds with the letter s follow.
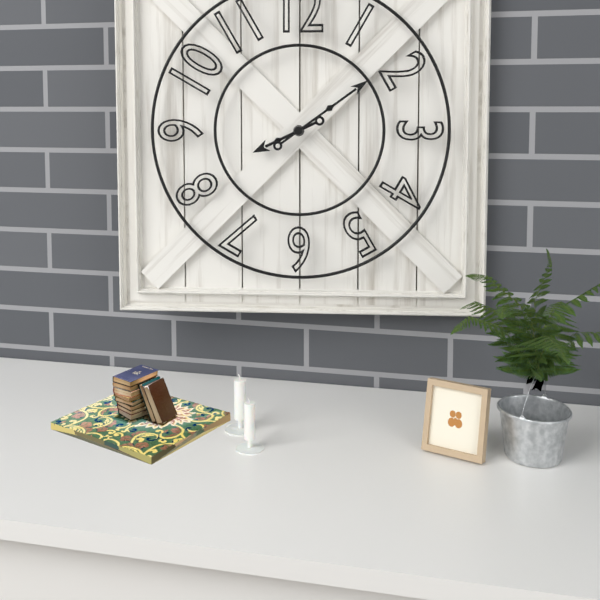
8h09
